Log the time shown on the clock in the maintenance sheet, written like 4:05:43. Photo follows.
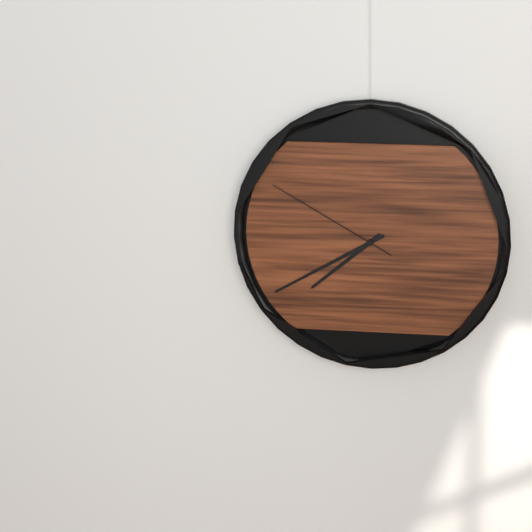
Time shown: 7:40:50
